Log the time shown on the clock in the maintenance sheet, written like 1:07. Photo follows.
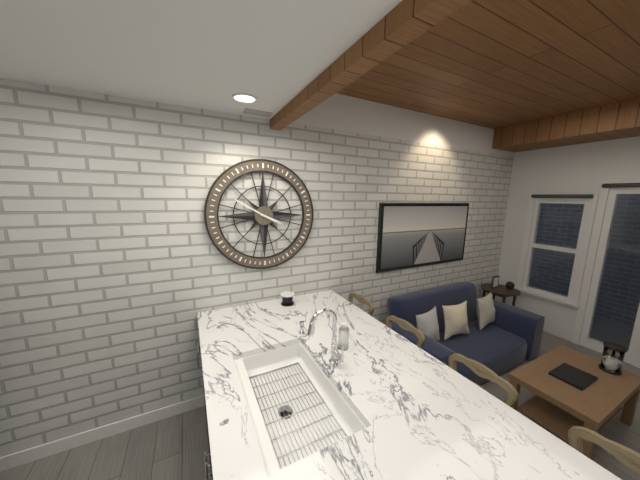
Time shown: 3:50
